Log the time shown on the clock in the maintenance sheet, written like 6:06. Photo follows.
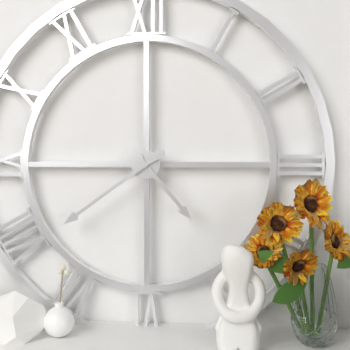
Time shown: 4:39
